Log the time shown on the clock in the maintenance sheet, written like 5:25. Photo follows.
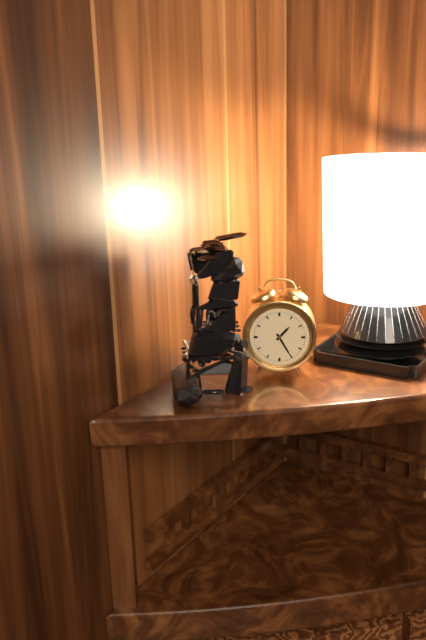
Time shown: 1:25
